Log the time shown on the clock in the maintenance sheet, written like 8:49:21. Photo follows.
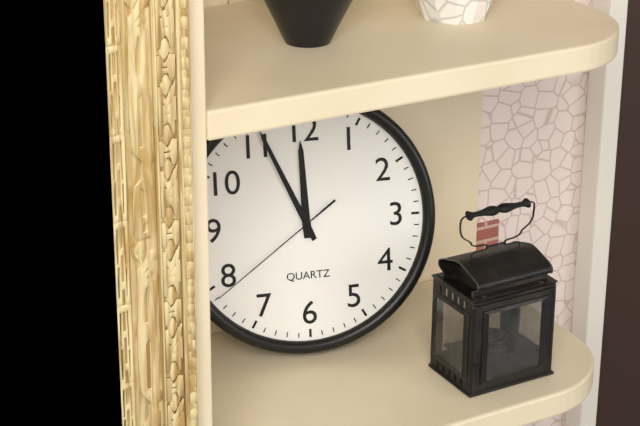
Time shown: 11:56:39
